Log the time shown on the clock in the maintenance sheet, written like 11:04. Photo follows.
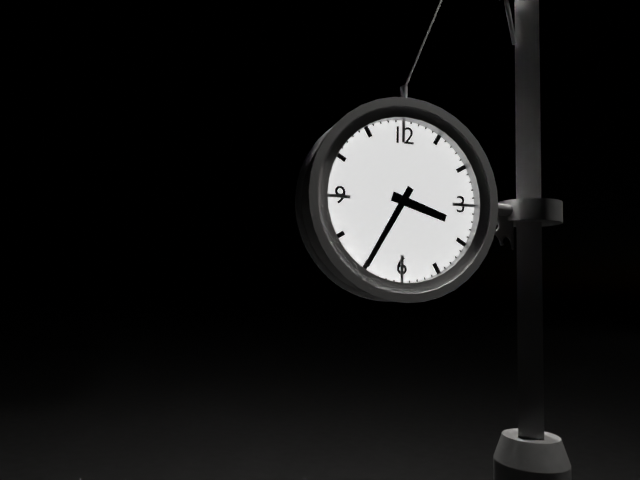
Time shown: 3:35
